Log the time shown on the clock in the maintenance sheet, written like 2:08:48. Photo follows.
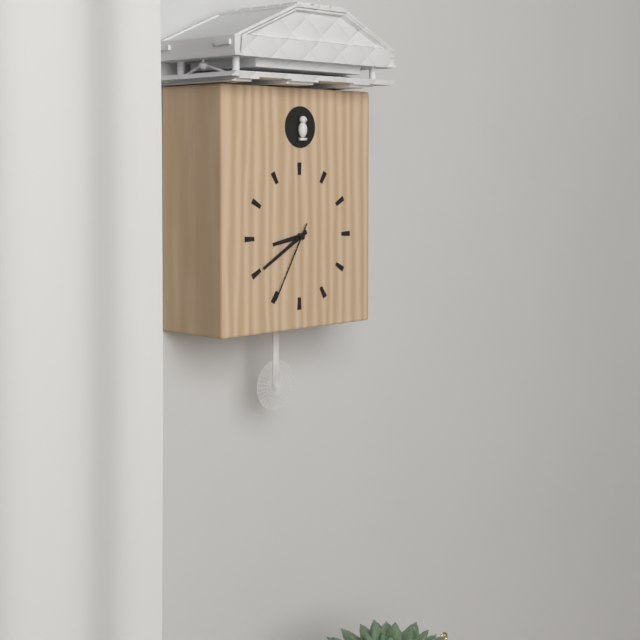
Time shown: 8:40:35
